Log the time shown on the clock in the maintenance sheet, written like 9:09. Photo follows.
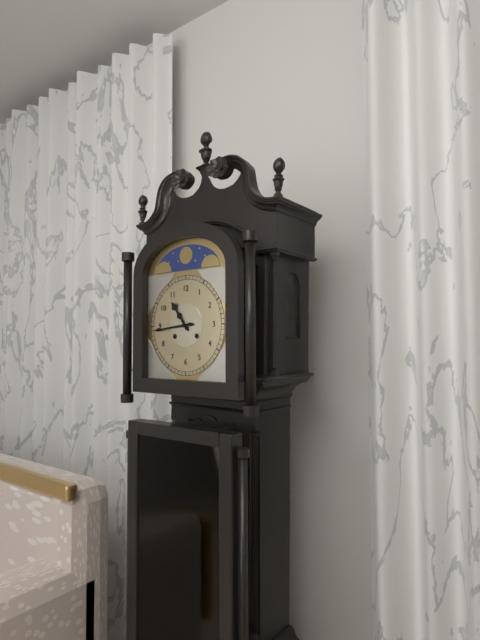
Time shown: 10:44
